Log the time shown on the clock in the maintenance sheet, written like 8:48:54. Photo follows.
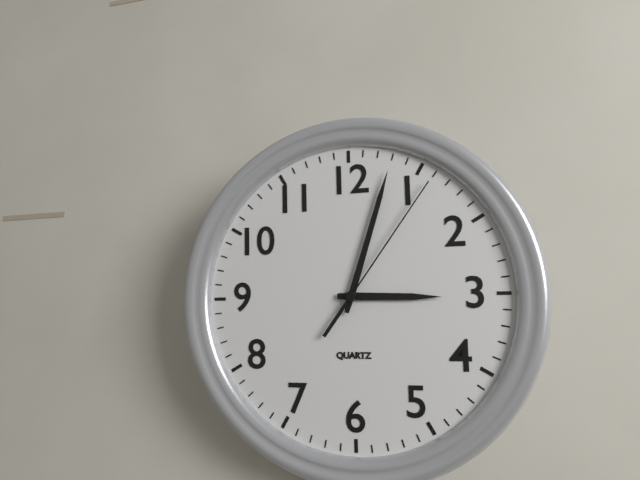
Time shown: 3:03:06
